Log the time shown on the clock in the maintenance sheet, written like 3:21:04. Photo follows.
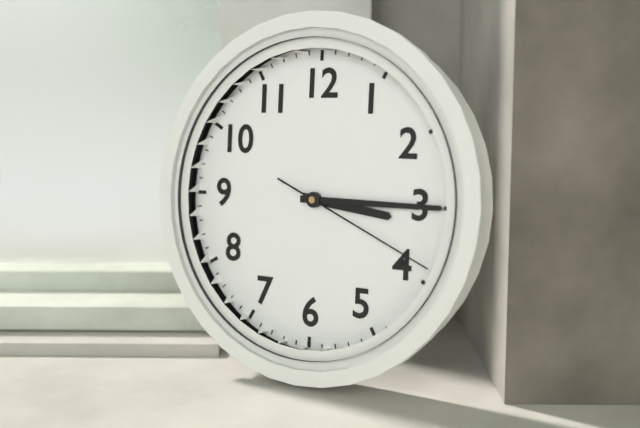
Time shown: 3:15:19
